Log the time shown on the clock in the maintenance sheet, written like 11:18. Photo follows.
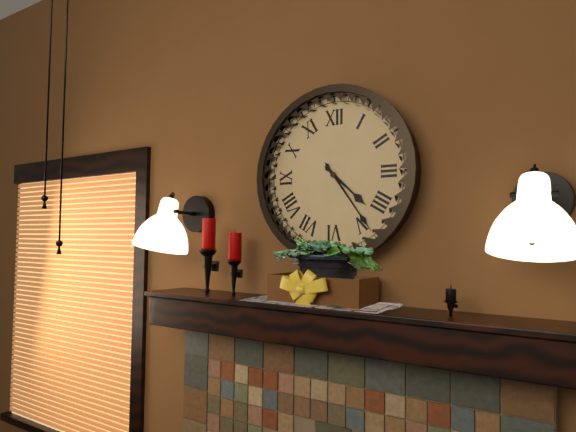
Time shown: 4:24
